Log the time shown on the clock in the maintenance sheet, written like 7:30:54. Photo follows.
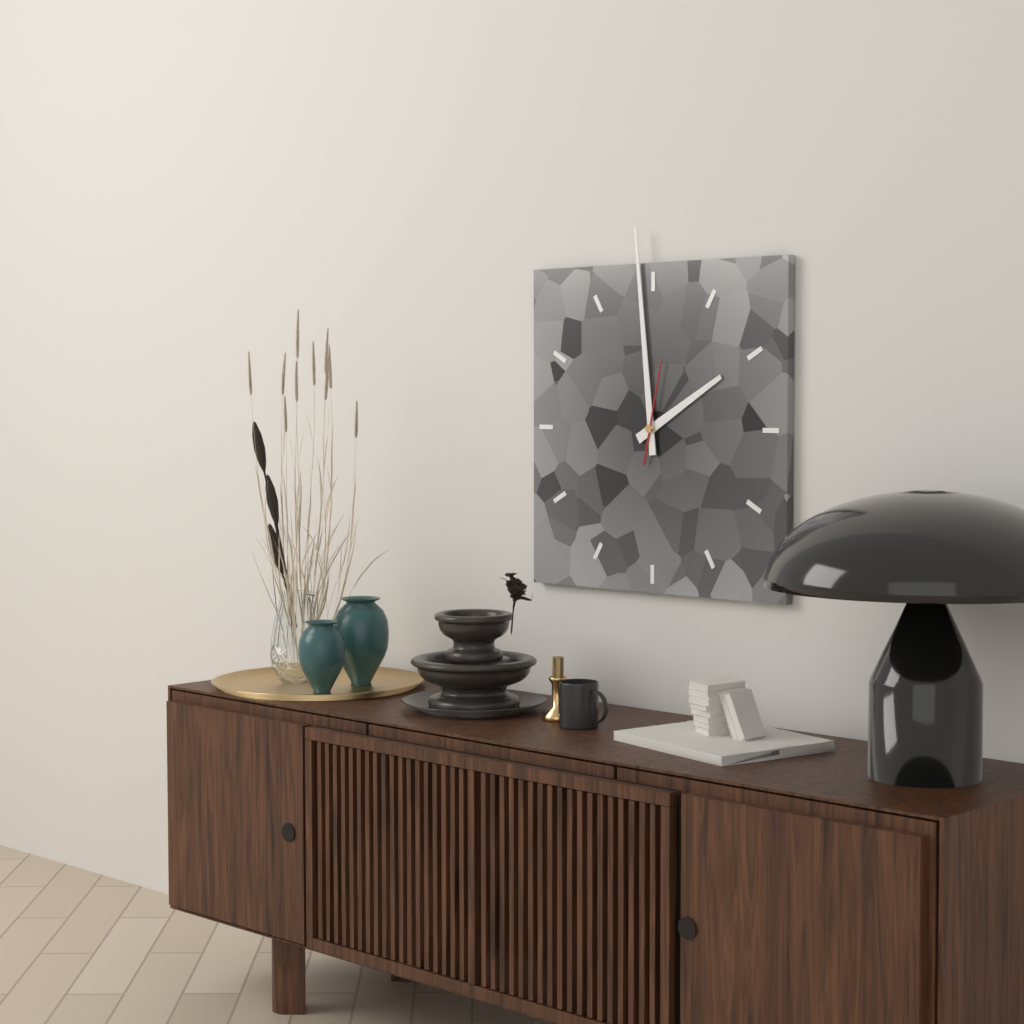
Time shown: 1:59:02
